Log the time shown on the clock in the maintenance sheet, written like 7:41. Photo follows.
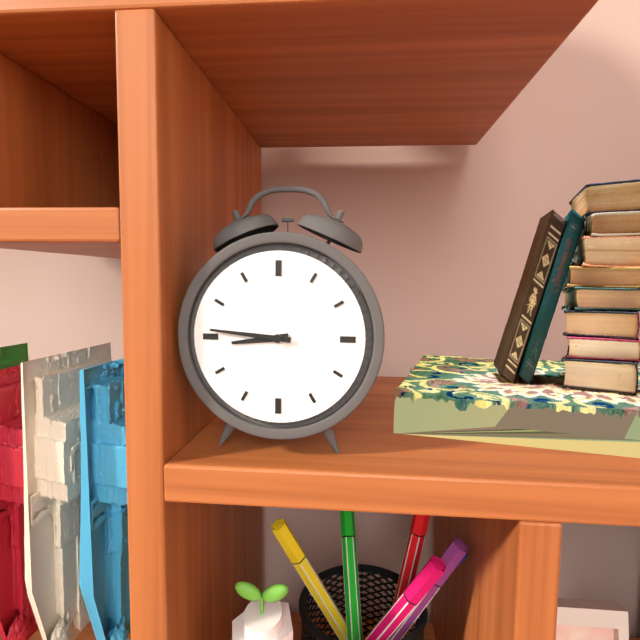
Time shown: 8:46
